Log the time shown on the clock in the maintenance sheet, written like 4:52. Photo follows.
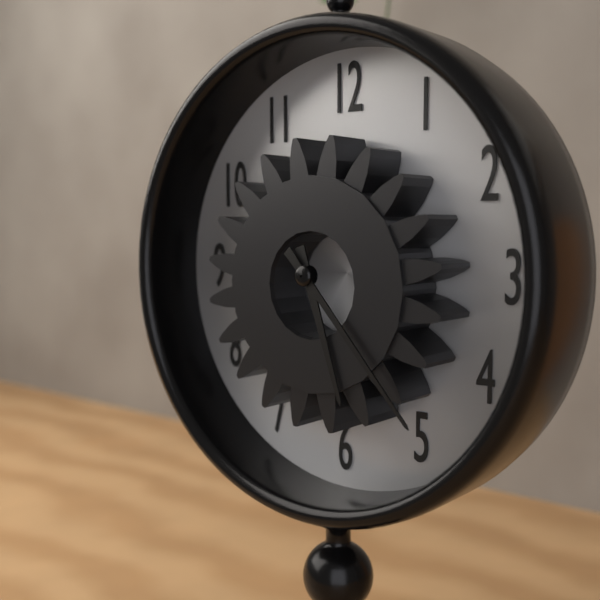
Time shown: 5:23
